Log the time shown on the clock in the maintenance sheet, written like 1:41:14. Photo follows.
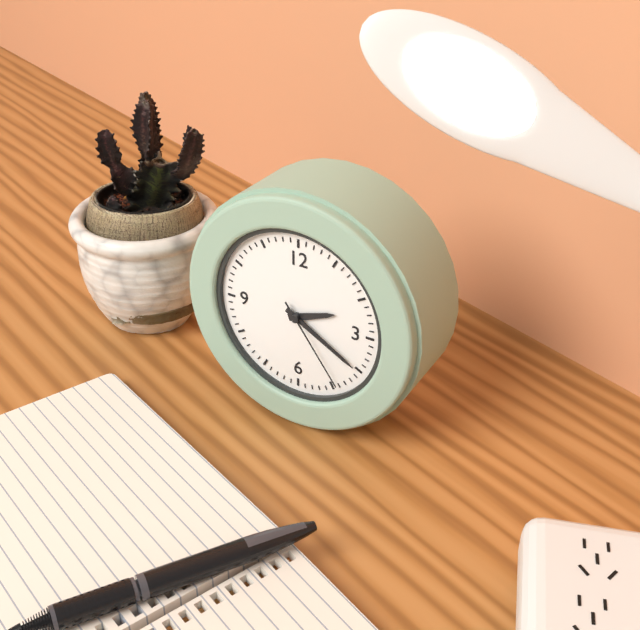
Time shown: 2:20:24
